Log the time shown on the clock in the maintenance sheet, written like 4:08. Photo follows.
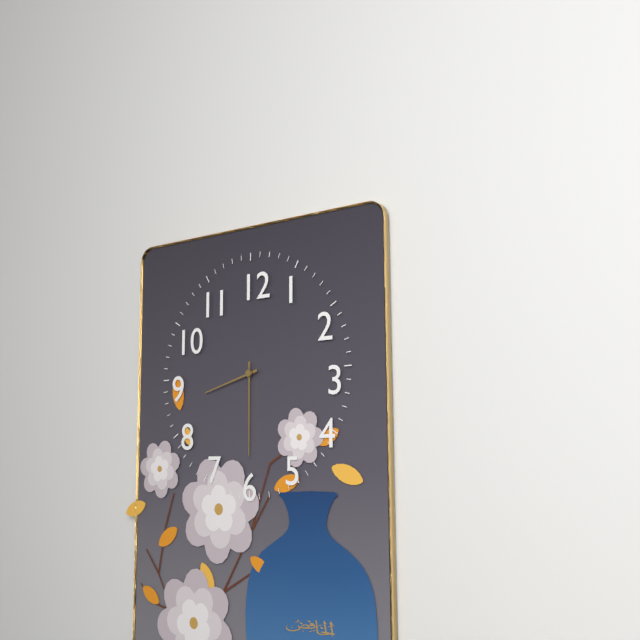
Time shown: 8:30
